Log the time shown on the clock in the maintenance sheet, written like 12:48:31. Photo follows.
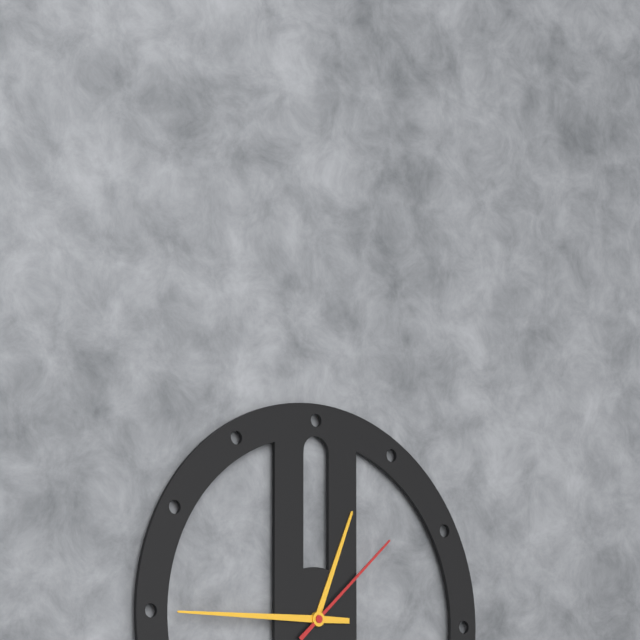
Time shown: 12:45:08
